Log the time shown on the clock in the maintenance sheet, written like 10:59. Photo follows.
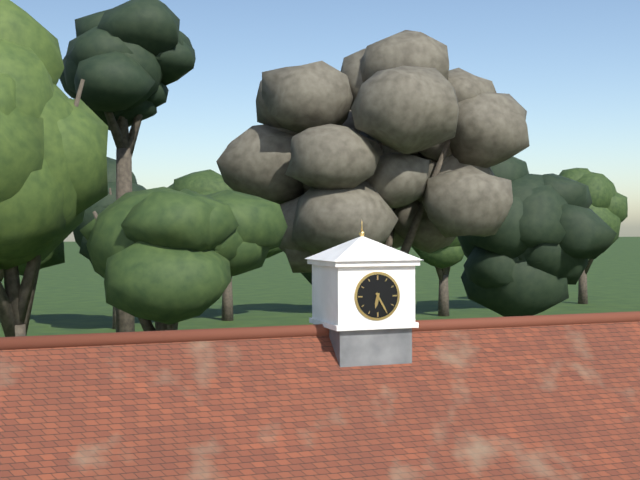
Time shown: 6:25
